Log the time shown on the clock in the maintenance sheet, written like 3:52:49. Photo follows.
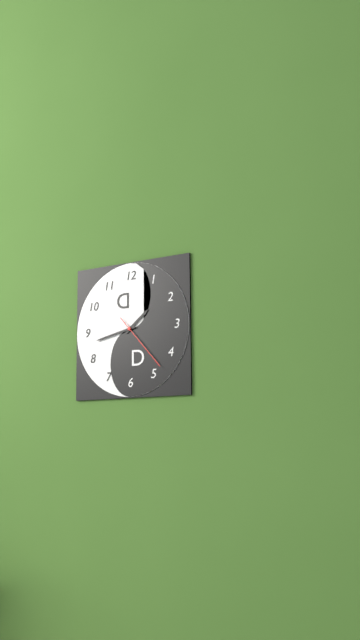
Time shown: 1:43:23
